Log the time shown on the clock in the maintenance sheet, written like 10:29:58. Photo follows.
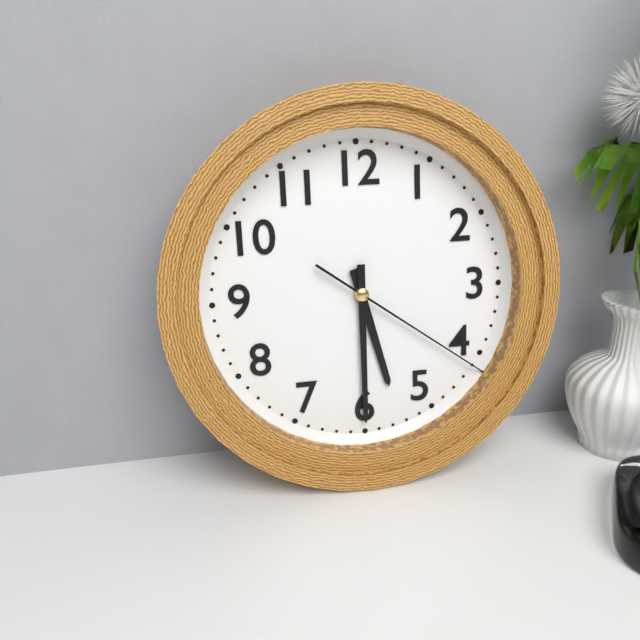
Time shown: 5:30:21
